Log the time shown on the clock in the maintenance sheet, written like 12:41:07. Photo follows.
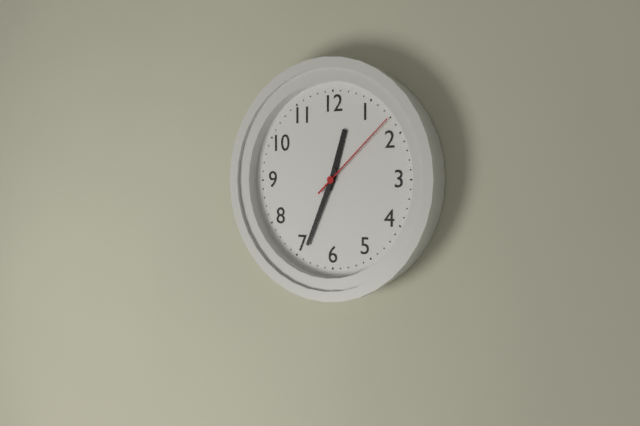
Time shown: 12:34:08
